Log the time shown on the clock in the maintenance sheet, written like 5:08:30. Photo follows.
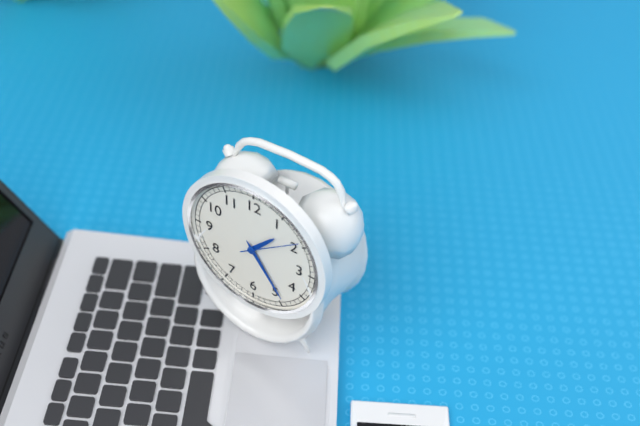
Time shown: 1:24:09
